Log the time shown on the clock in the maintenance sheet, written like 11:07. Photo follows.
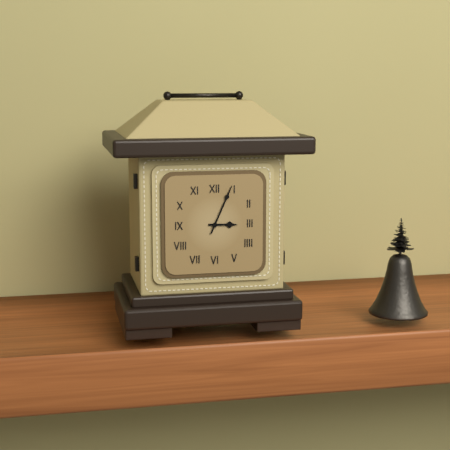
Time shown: 3:04
